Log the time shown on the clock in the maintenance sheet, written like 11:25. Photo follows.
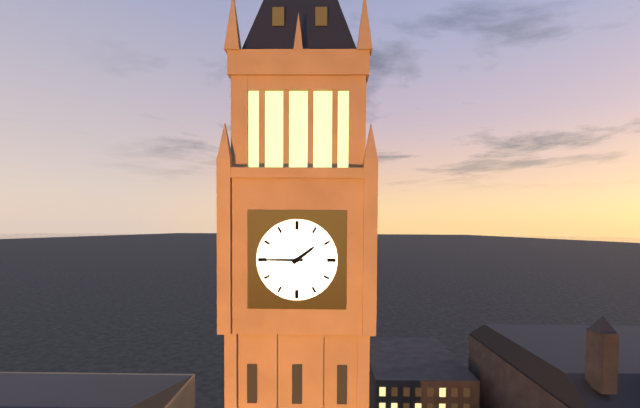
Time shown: 1:45
